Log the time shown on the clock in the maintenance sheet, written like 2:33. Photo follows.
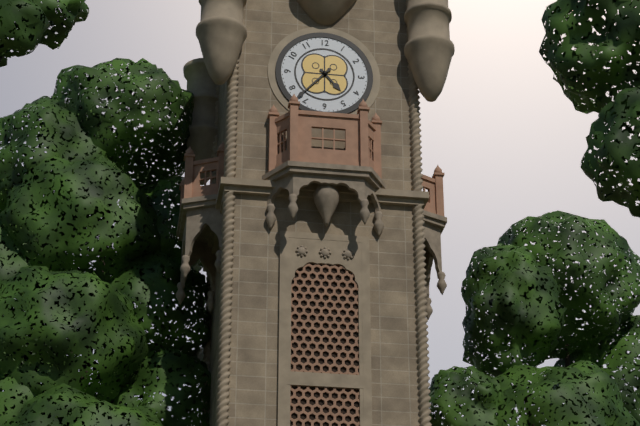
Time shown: 4:37
